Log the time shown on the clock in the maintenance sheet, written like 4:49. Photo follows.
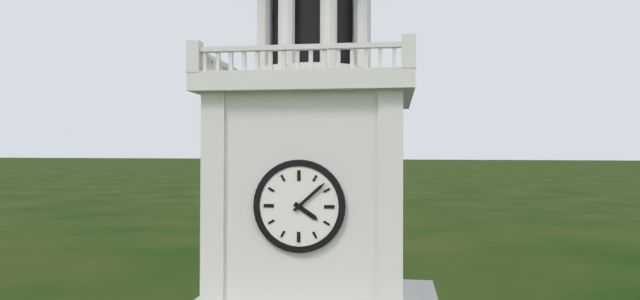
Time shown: 4:08
